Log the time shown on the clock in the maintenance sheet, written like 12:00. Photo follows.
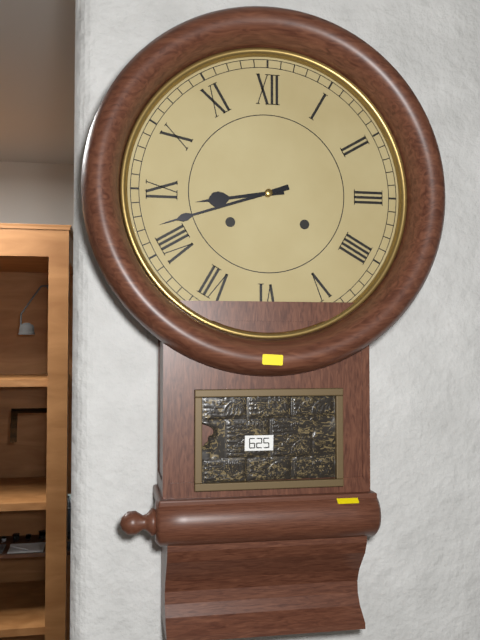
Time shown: 8:42
